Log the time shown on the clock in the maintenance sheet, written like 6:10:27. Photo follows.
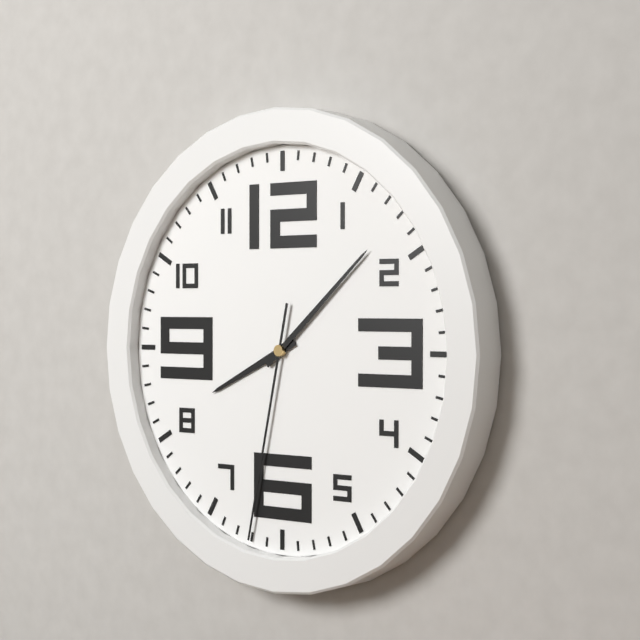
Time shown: 8:08:32
